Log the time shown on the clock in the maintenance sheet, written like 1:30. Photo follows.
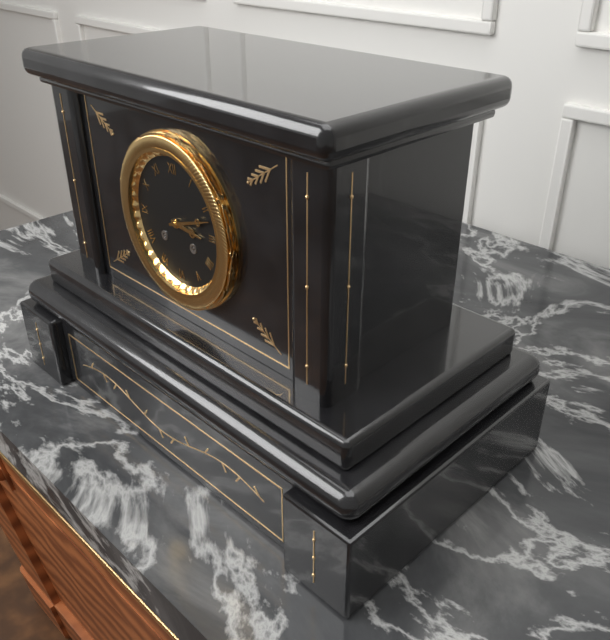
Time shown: 3:12
